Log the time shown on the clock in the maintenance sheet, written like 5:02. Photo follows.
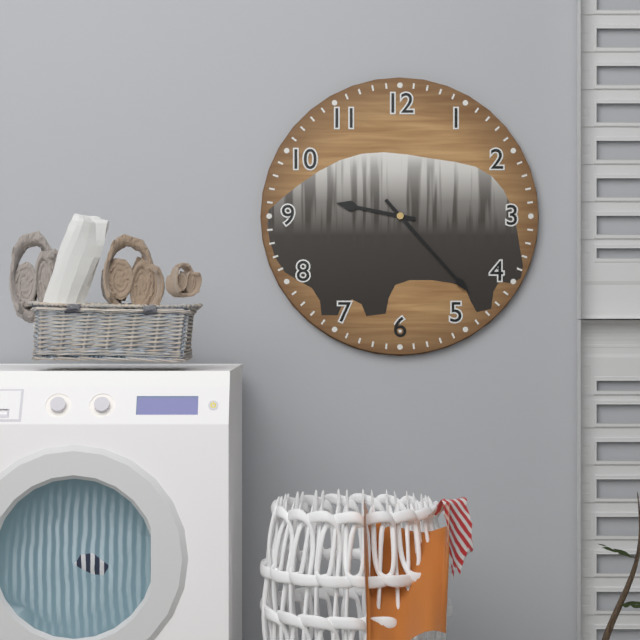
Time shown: 9:23
